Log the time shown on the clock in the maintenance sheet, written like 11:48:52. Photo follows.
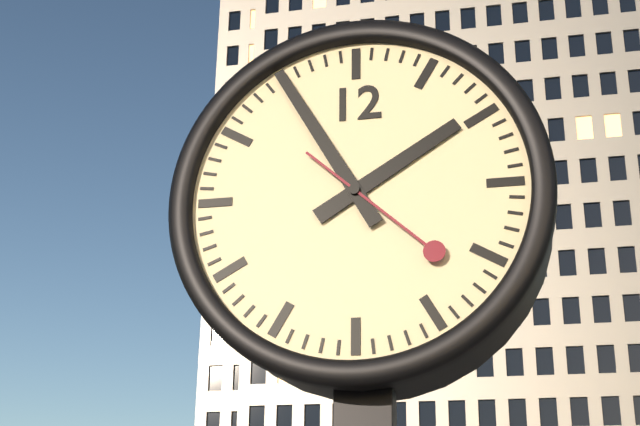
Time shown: 1:55:22
